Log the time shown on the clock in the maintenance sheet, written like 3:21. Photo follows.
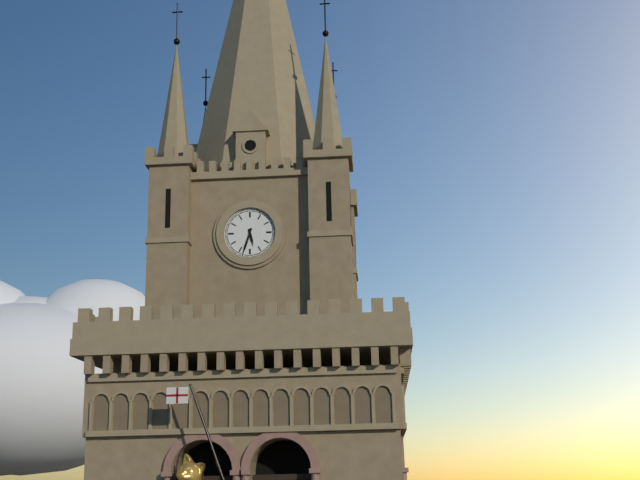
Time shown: 5:33
